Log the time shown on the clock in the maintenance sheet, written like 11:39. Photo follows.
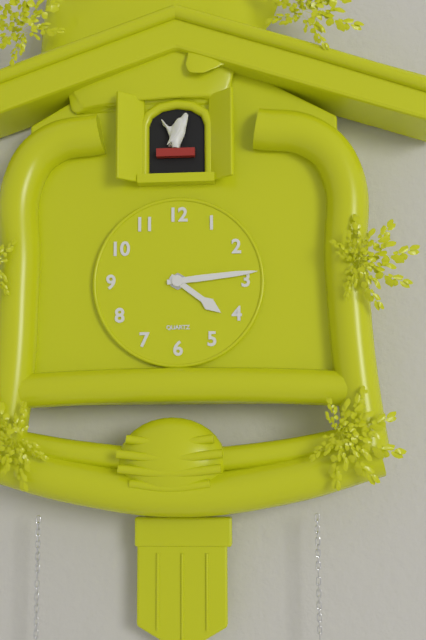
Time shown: 4:14
